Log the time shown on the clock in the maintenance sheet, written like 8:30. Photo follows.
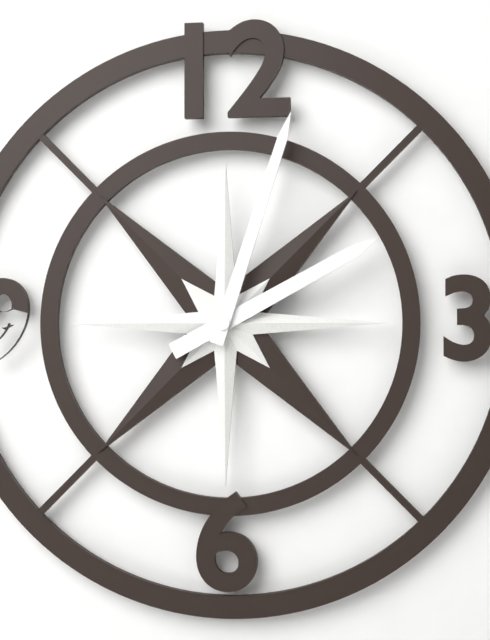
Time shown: 2:03
